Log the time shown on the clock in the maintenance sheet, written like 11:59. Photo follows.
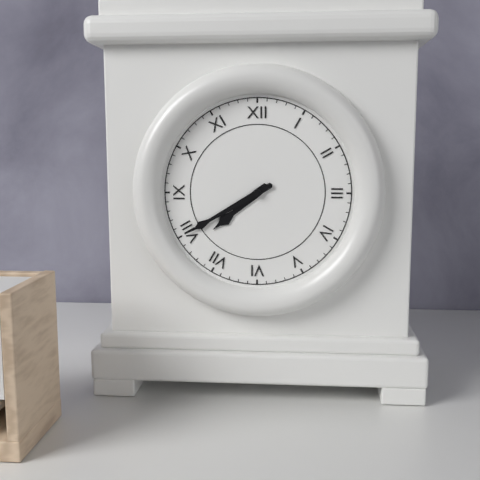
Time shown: 7:40
